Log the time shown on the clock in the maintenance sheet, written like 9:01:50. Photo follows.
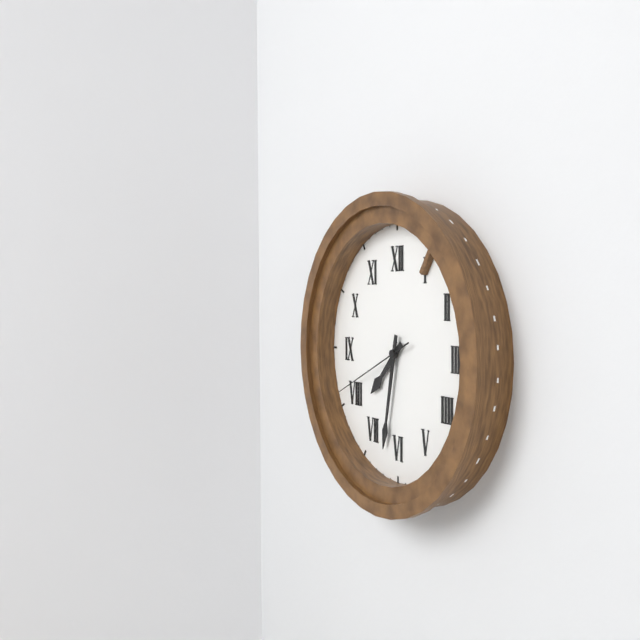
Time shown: 7:32:41
